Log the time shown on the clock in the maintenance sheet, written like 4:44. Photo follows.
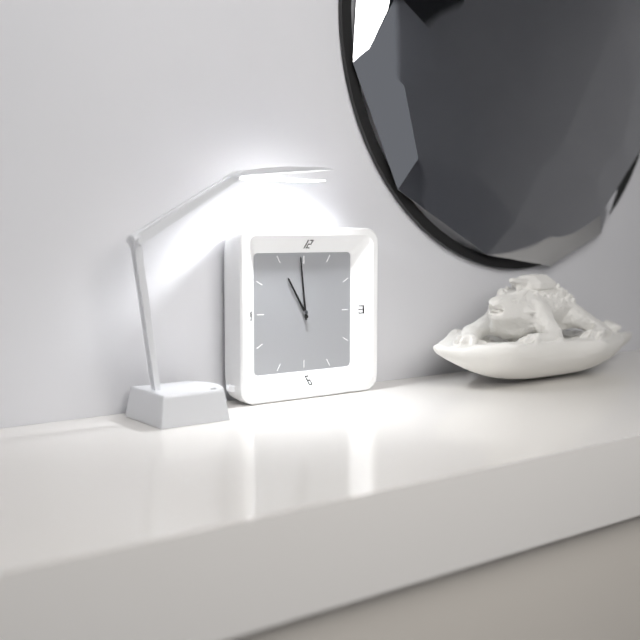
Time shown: 10:59
